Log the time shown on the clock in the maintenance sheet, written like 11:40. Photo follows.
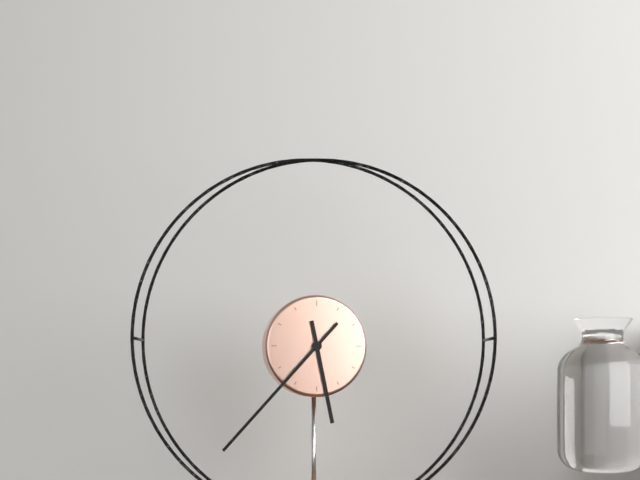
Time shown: 5:37
